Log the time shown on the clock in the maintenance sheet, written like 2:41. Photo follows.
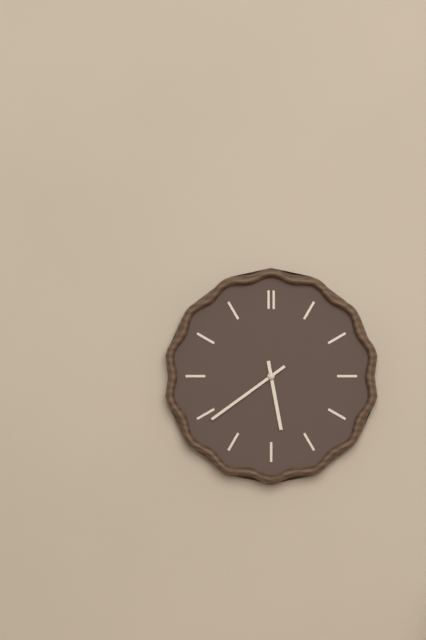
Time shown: 5:39
